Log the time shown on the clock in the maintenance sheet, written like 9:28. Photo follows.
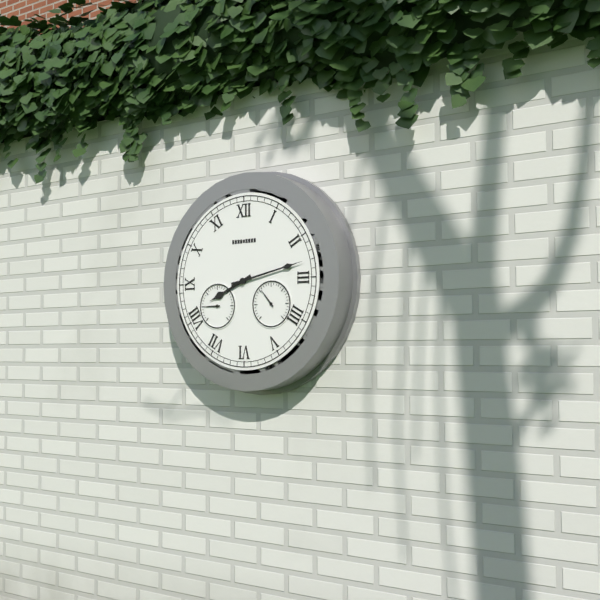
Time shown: 8:13
